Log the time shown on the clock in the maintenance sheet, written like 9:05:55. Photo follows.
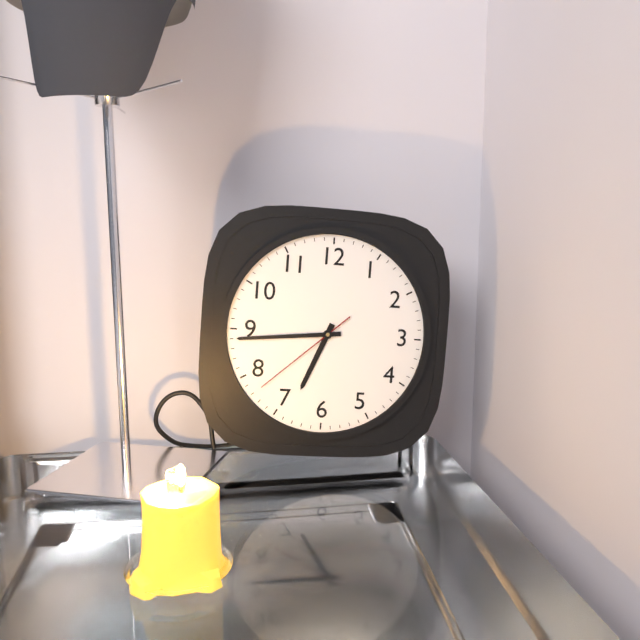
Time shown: 6:44:38
